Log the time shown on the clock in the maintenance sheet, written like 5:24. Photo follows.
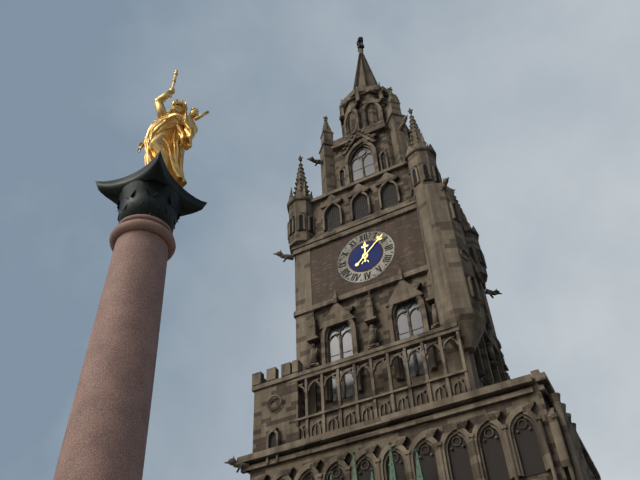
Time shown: 12:08
